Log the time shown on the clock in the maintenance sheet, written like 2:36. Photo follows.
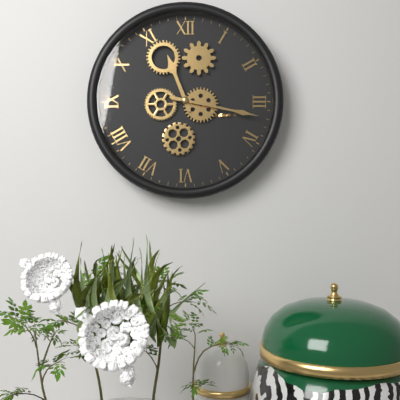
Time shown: 11:17
